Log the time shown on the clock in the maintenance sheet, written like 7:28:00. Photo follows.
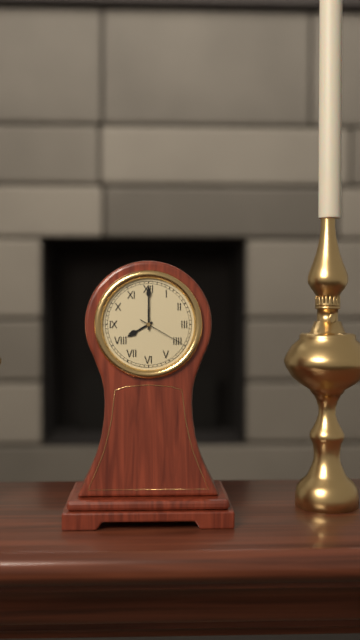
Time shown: 8:00:20
